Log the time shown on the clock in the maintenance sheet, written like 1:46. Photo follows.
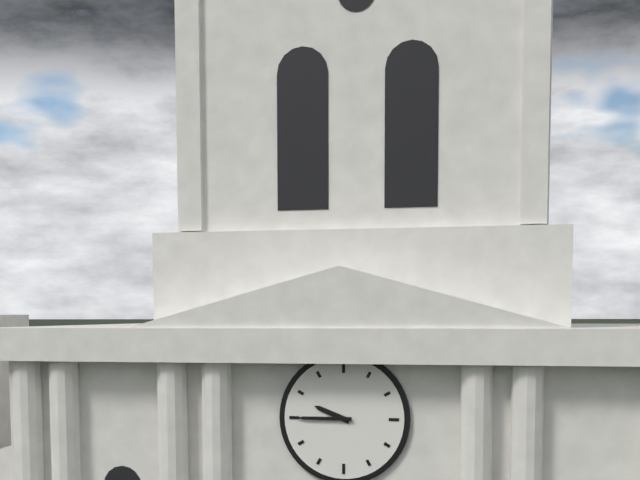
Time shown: 9:45
